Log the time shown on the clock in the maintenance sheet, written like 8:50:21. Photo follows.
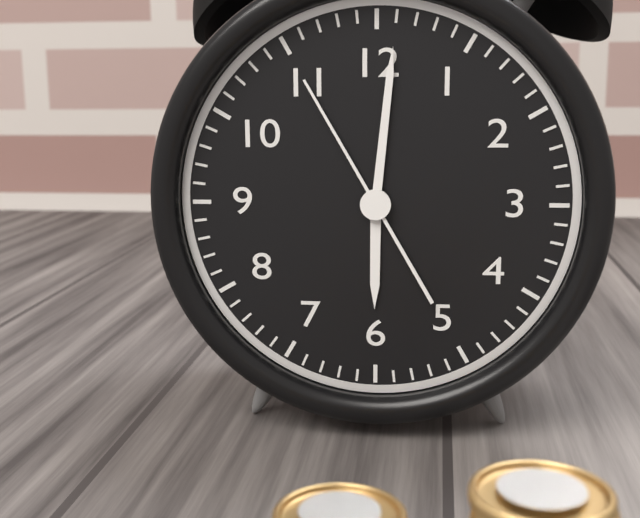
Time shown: 6:01:55
